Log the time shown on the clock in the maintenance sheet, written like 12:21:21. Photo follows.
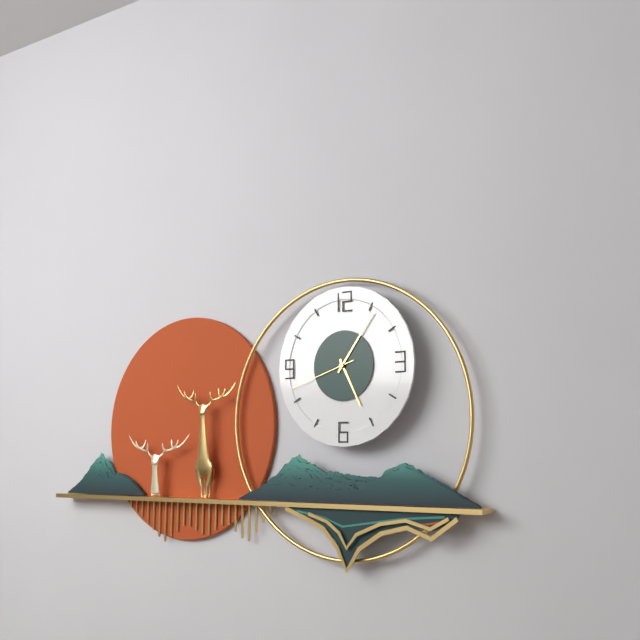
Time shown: 5:06:42
